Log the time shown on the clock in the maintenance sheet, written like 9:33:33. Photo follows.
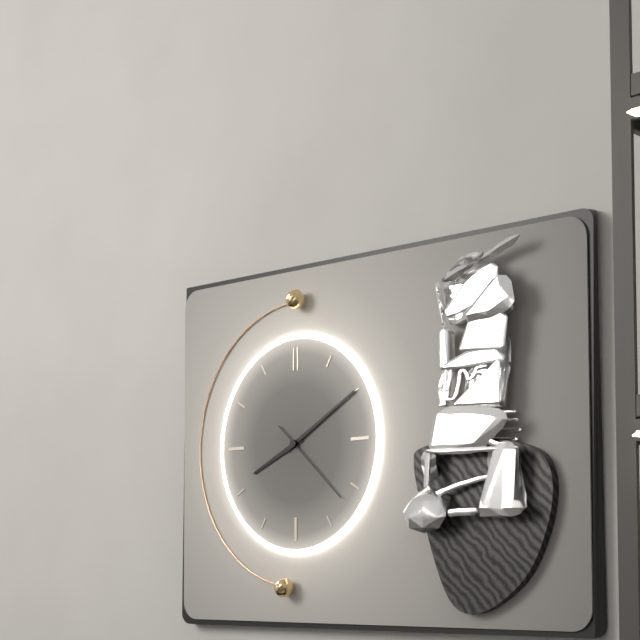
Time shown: 8:10:22
